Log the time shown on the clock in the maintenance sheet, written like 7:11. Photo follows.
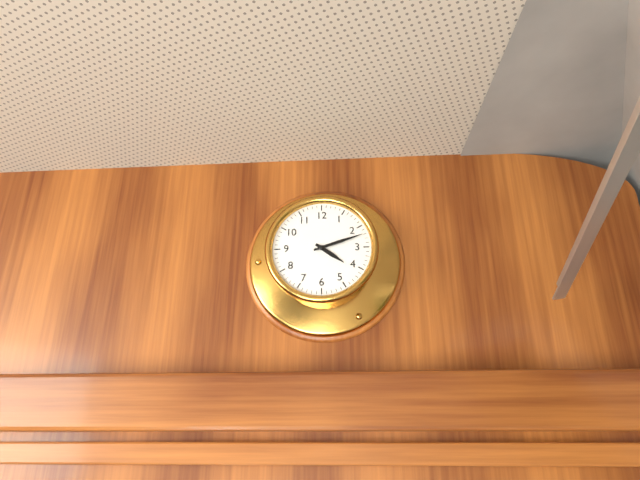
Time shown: 4:12
